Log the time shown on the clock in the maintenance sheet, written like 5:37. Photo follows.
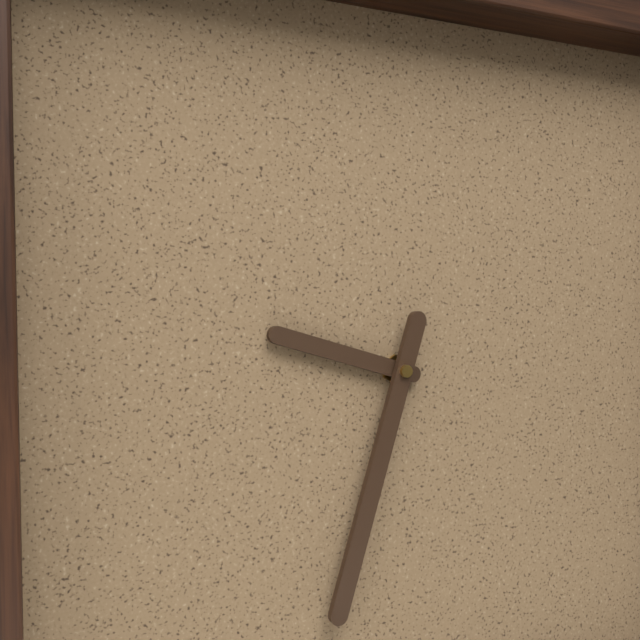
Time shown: 9:33
